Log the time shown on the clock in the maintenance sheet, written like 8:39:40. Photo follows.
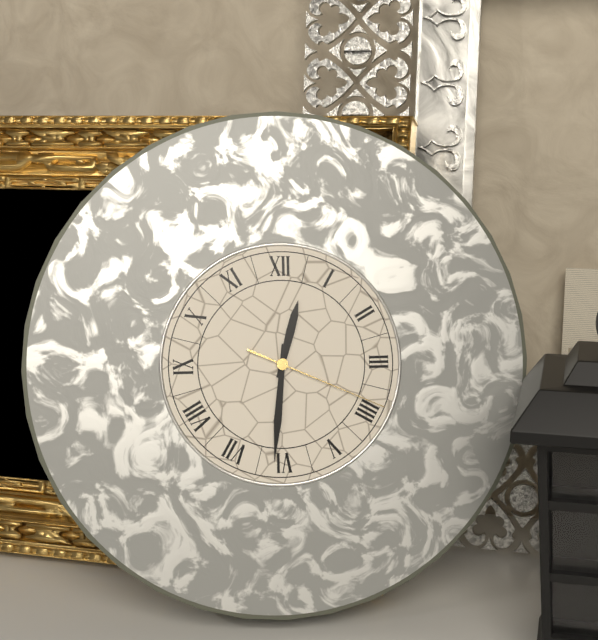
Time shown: 12:31:19
